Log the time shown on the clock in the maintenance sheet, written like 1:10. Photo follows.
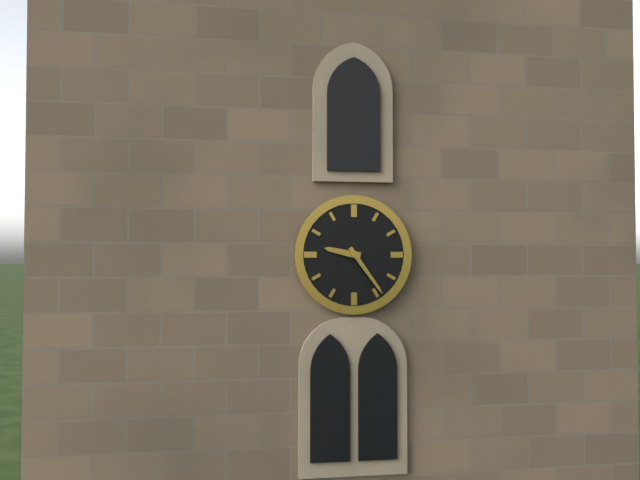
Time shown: 9:24
